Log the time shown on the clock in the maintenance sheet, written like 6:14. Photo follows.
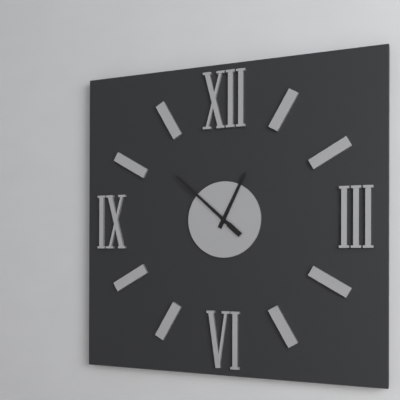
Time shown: 12:52
